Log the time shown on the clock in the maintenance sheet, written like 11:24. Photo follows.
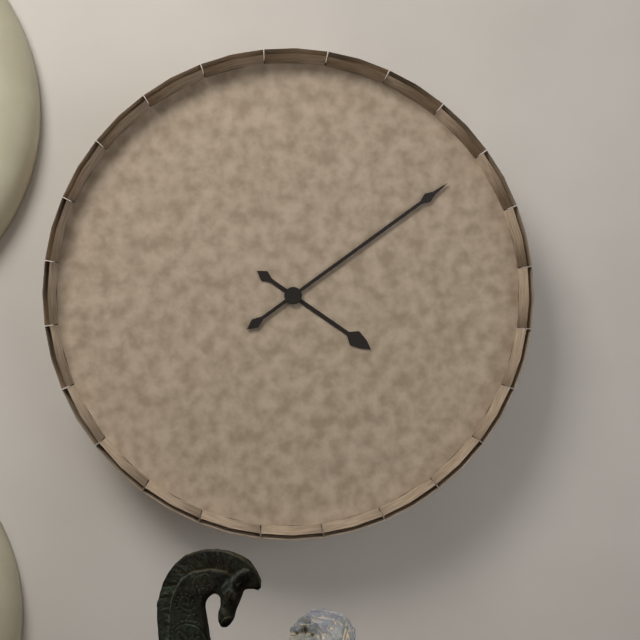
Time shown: 4:09
